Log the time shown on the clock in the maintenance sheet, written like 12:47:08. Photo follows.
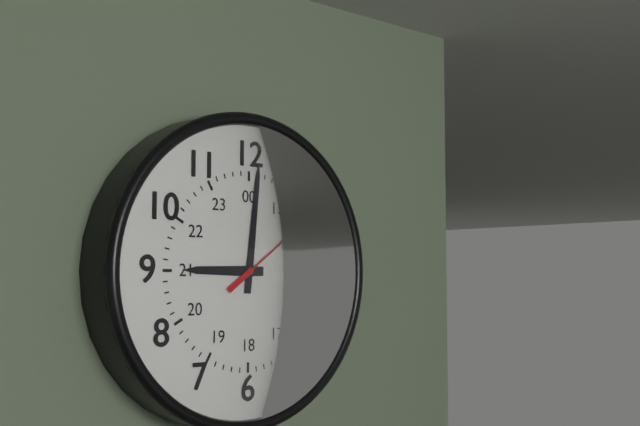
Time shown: 9:01:09
